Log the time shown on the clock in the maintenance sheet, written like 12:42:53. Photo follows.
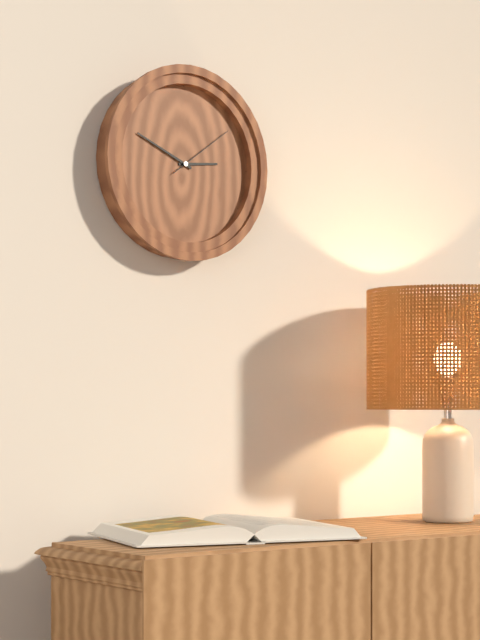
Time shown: 2:49:09
